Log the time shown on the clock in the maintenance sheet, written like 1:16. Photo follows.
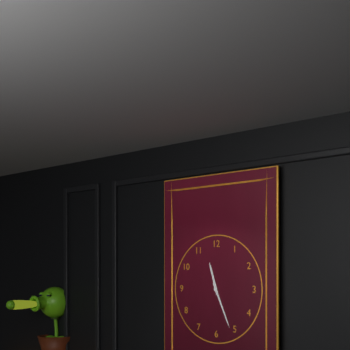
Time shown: 11:26
